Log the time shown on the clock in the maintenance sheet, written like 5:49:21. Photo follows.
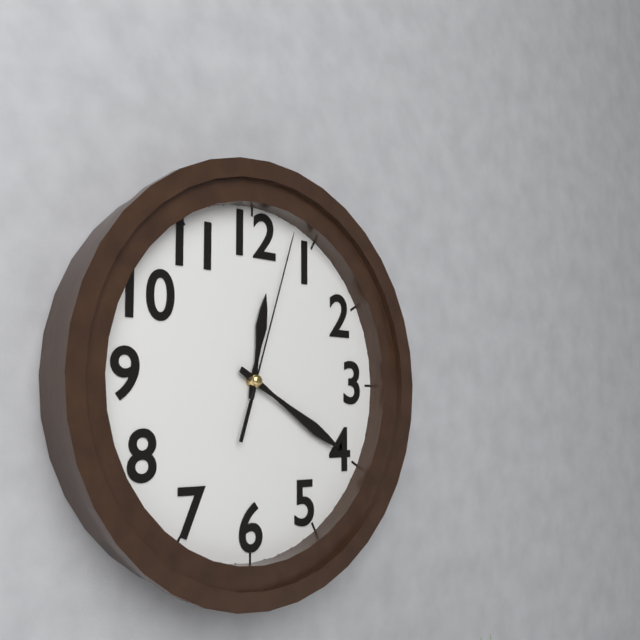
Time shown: 12:20:03
